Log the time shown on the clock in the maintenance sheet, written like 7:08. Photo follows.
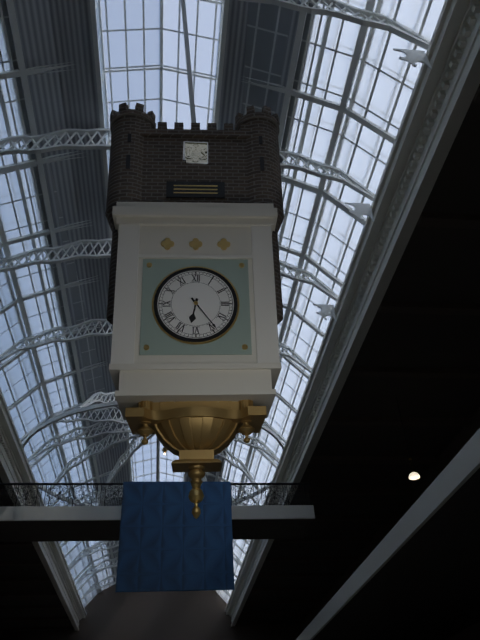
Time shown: 6:24
